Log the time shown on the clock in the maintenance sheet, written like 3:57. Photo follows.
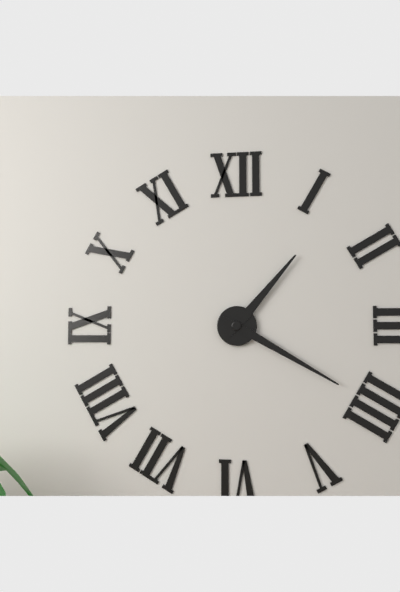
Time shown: 1:20
